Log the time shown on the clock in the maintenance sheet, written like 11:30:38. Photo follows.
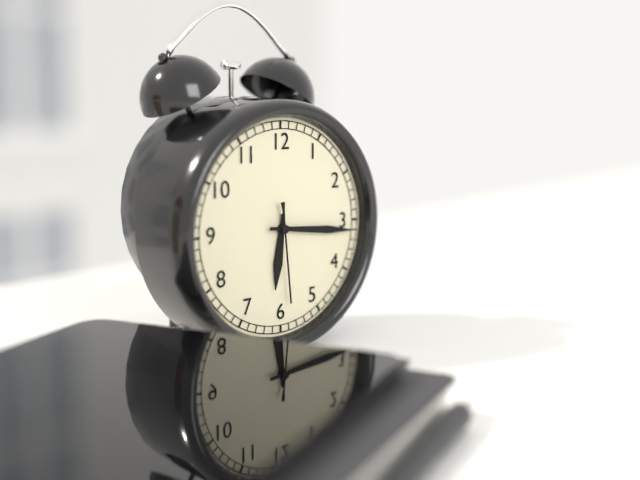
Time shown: 6:16:29
